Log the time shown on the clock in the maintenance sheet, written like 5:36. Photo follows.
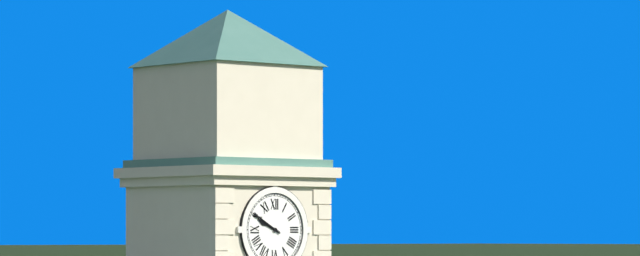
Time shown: 9:50
